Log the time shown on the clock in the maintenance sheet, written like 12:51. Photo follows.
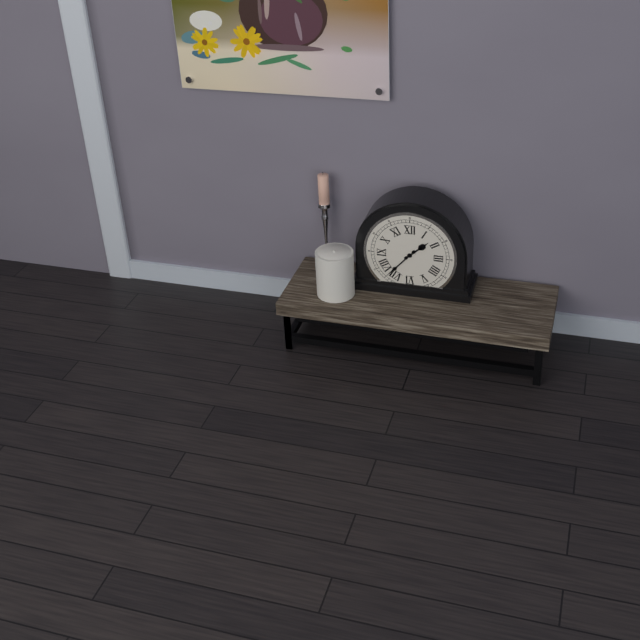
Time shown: 1:37
